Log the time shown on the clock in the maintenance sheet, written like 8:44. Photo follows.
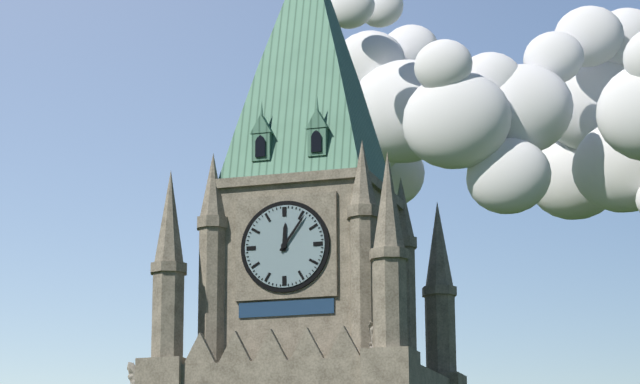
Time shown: 12:06
